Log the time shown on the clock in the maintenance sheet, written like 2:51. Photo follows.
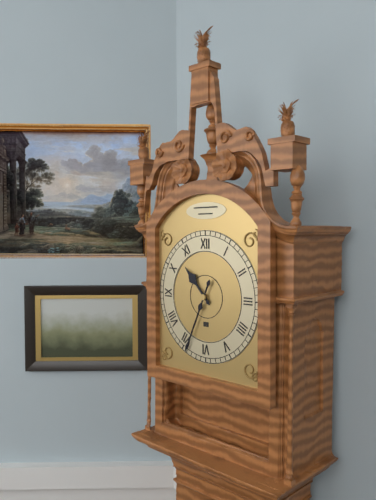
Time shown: 10:34
